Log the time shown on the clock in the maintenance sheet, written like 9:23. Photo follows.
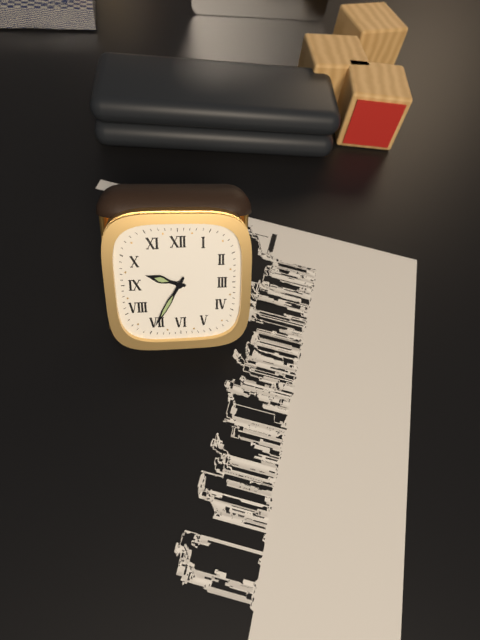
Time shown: 9:35
